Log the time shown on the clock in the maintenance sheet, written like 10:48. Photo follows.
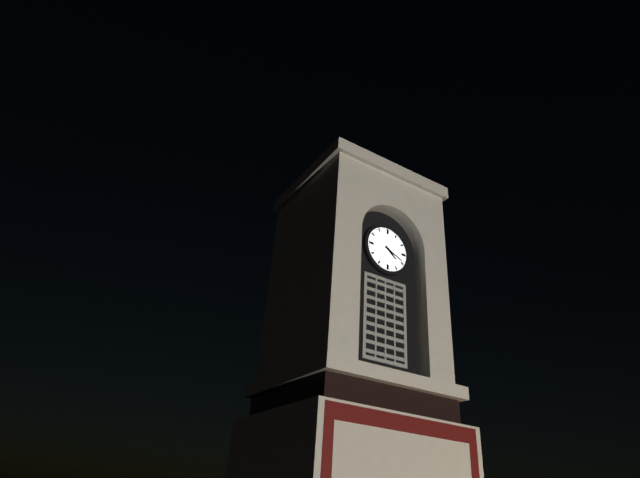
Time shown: 4:19
